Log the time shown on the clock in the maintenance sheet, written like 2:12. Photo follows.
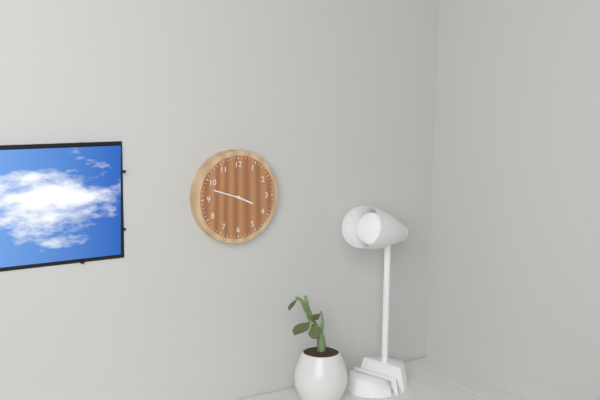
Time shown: 3:48
